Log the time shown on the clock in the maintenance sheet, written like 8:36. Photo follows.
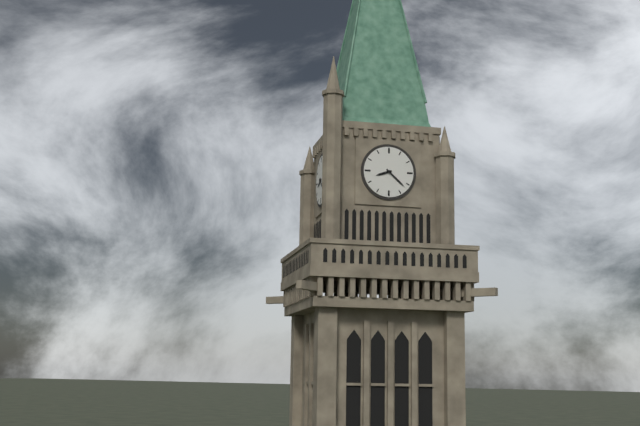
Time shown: 8:22
